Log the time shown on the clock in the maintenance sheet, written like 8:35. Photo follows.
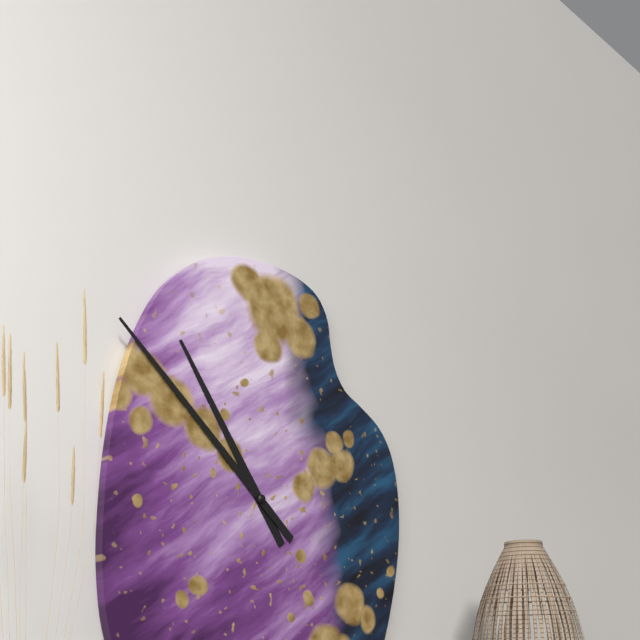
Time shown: 10:52
